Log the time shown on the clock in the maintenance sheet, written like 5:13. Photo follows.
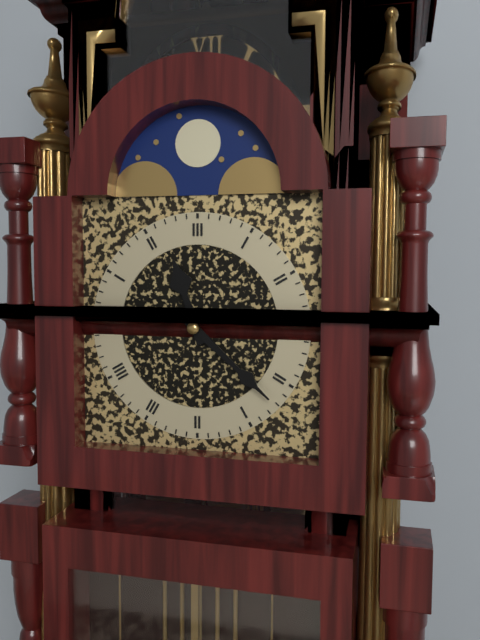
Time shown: 11:22
